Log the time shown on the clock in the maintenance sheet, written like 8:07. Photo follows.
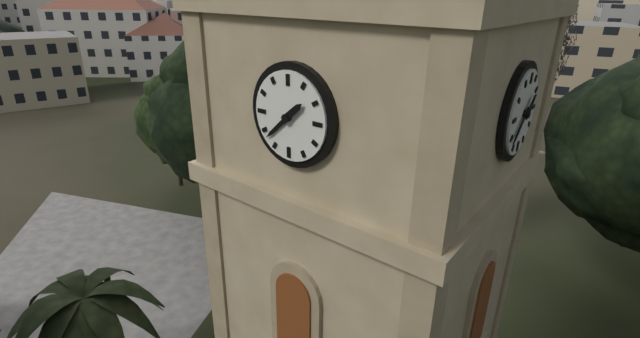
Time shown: 1:38
